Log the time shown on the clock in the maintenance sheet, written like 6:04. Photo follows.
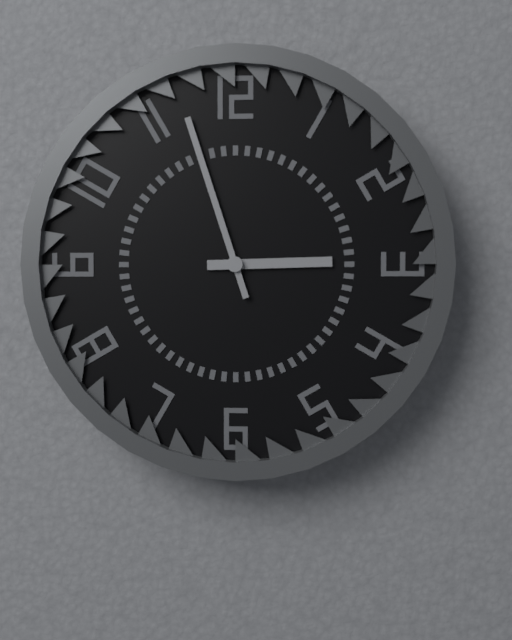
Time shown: 2:57
